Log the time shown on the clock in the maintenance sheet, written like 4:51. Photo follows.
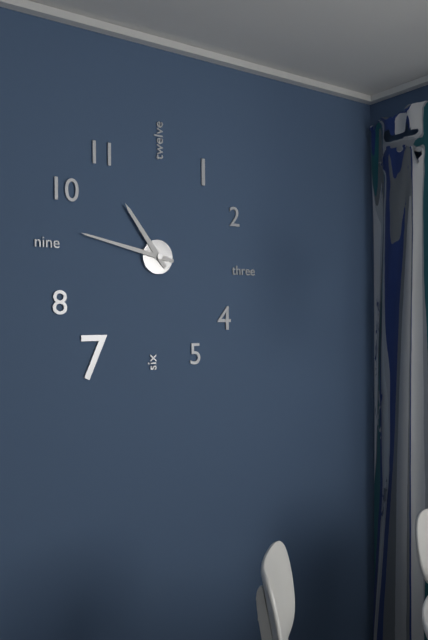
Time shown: 10:47
